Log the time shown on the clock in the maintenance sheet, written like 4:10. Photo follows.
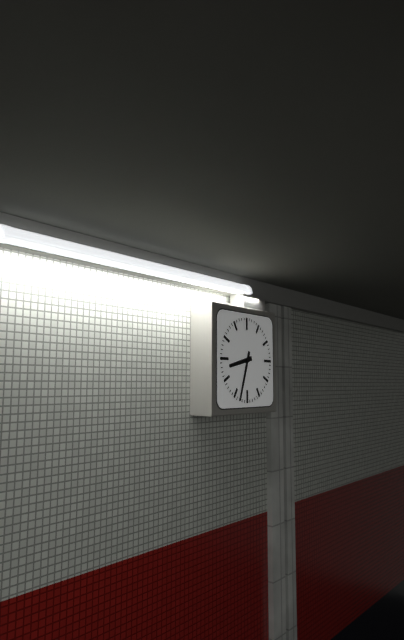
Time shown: 8:33
